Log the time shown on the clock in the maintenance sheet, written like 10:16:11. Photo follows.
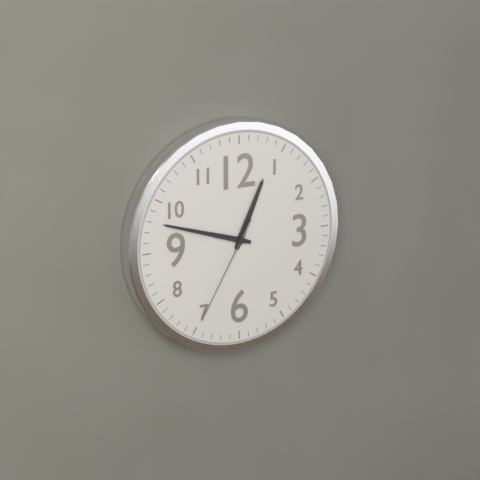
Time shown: 12:48:35
